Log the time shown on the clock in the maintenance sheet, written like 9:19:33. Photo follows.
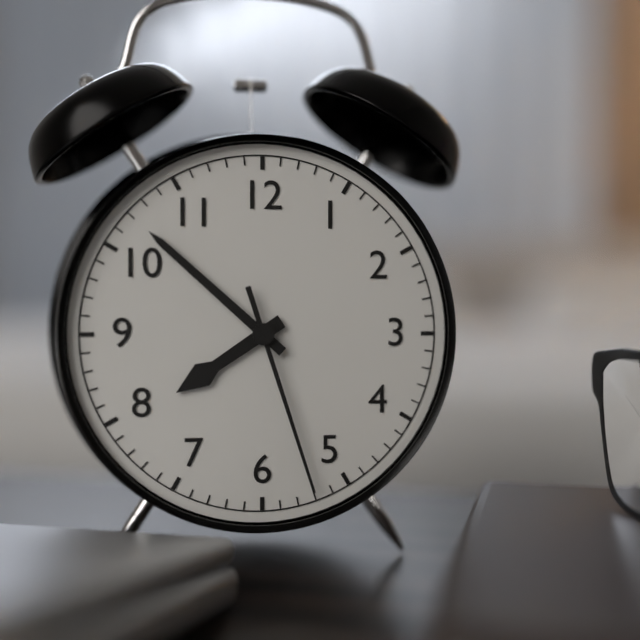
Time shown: 7:52:27
